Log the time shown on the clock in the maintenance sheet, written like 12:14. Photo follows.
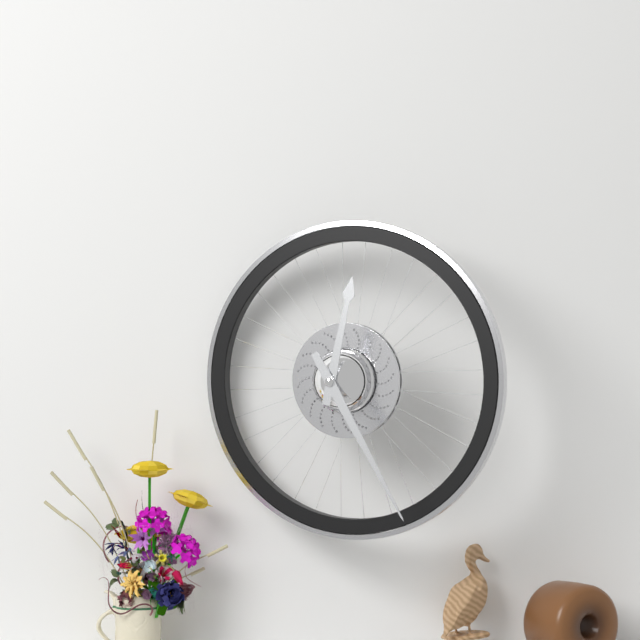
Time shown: 12:25
